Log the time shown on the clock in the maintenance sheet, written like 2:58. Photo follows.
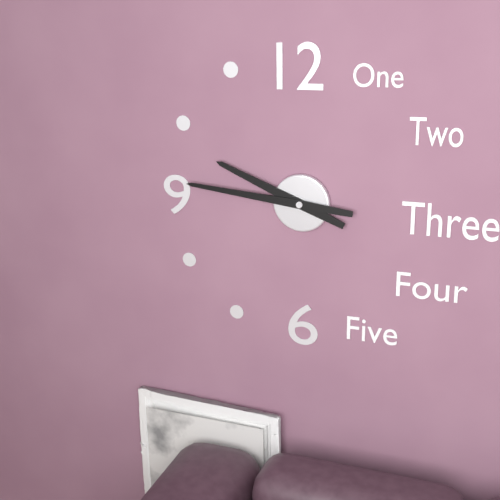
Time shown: 9:46
